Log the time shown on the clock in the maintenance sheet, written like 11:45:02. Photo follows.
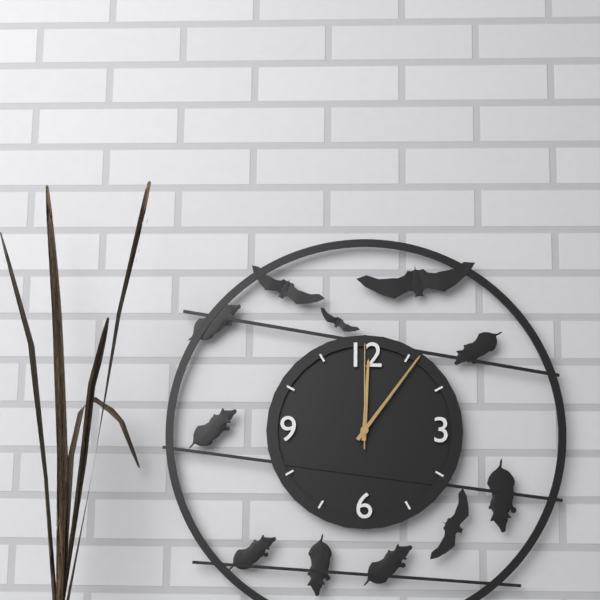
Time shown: 12:06:00
